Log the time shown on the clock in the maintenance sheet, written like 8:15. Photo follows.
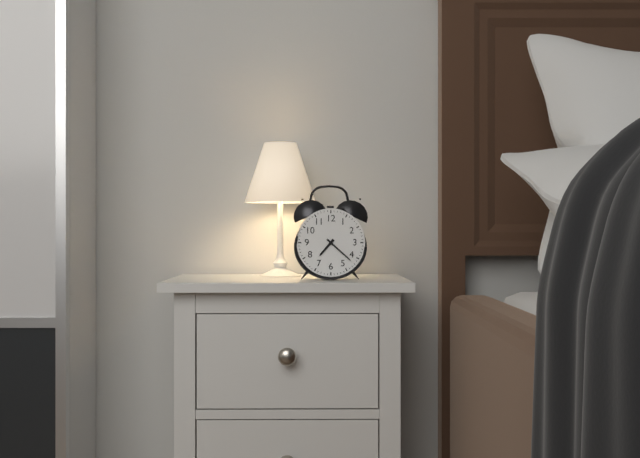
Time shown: 7:22
